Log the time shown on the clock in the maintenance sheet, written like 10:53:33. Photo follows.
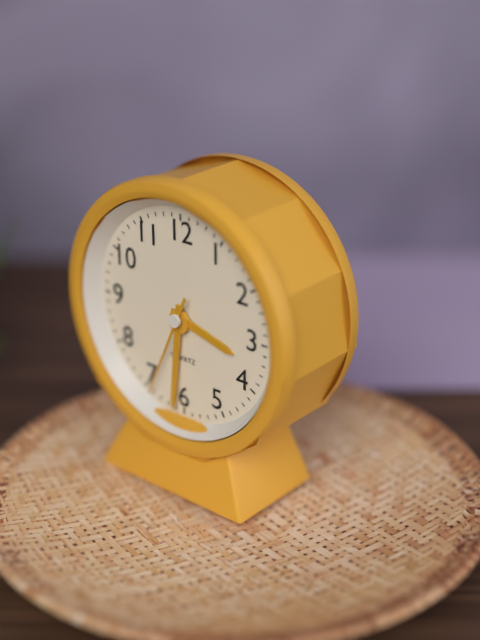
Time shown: 3:31:34
